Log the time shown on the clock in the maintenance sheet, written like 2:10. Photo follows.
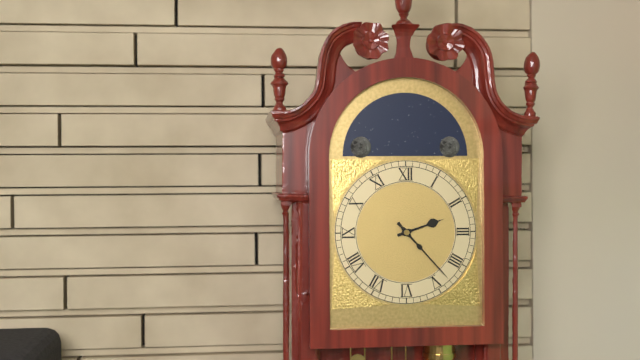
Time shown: 2:23
